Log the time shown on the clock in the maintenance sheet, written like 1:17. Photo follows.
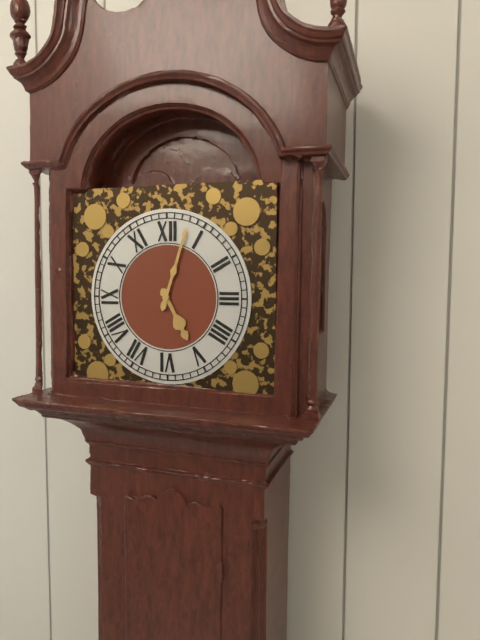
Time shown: 5:03
